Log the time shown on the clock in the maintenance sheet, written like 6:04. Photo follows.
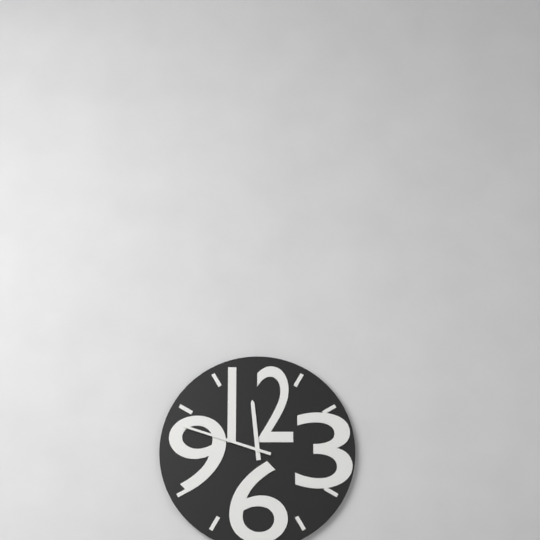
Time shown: 11:48
